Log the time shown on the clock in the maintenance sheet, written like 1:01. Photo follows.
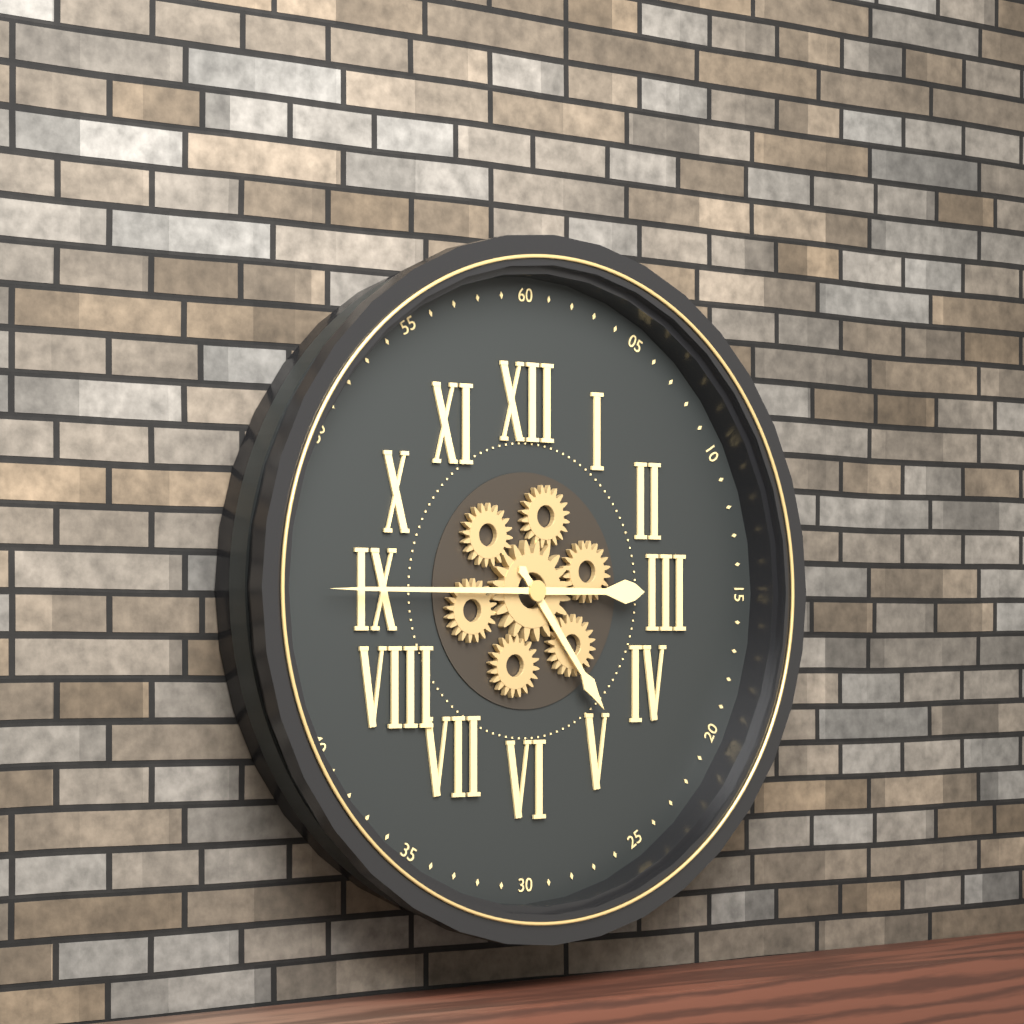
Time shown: 4:45
